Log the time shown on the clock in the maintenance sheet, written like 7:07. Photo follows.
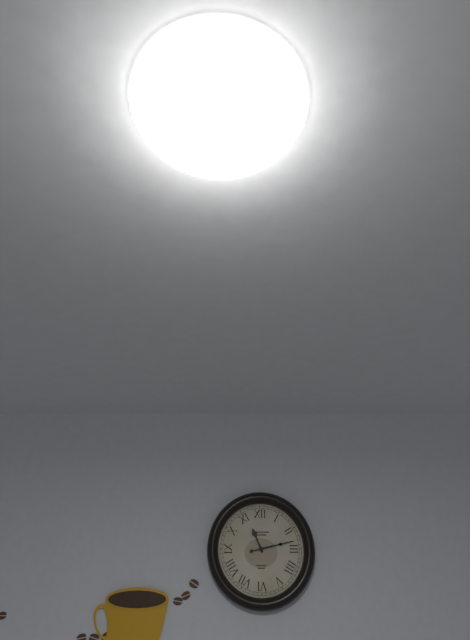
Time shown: 11:13
